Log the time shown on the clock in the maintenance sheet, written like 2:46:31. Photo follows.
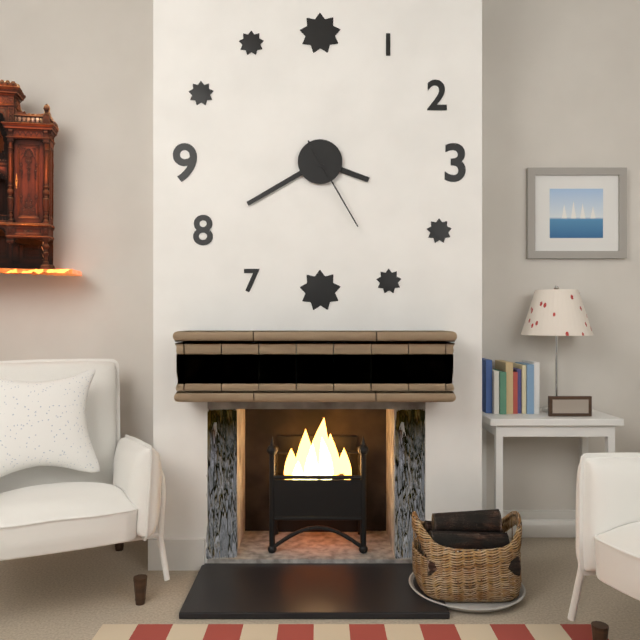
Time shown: 3:40:25
